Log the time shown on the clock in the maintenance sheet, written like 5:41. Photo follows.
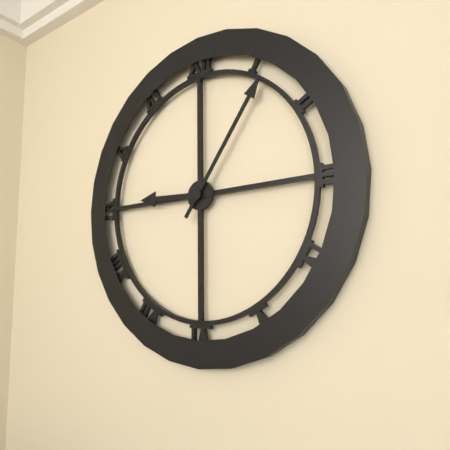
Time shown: 9:06
